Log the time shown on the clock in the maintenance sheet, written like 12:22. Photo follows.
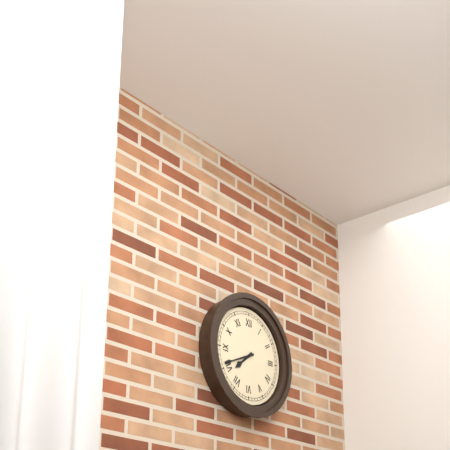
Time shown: 7:41
